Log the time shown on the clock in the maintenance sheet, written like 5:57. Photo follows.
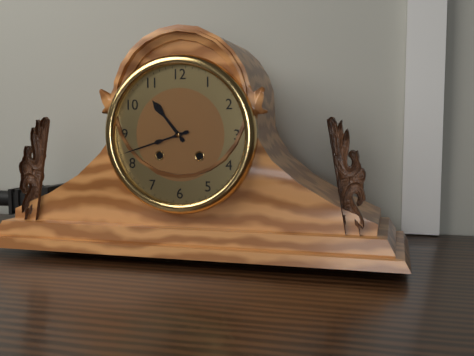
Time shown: 10:42
